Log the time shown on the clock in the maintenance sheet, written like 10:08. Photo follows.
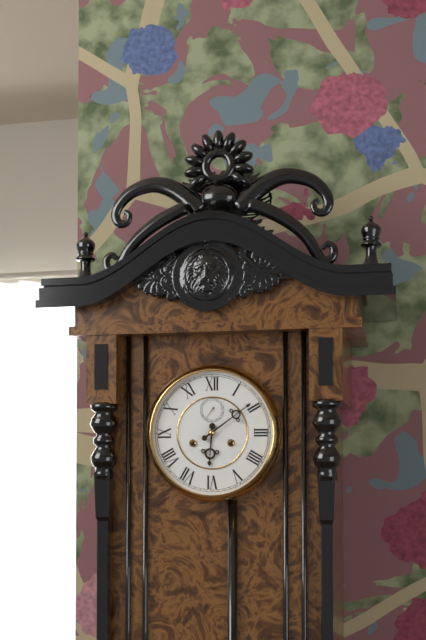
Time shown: 6:09
